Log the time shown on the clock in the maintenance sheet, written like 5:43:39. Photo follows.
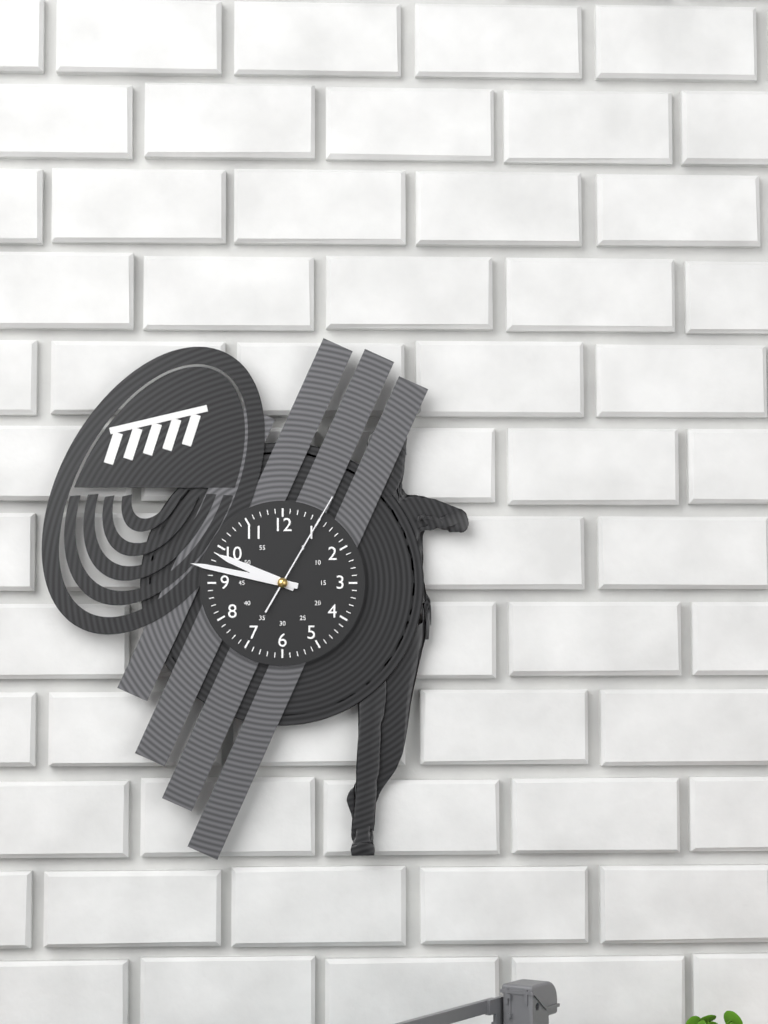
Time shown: 9:47:05
